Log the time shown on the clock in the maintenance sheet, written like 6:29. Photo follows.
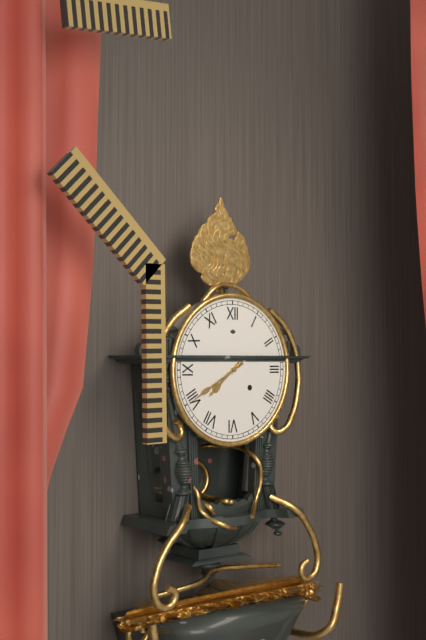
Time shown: 7:40
